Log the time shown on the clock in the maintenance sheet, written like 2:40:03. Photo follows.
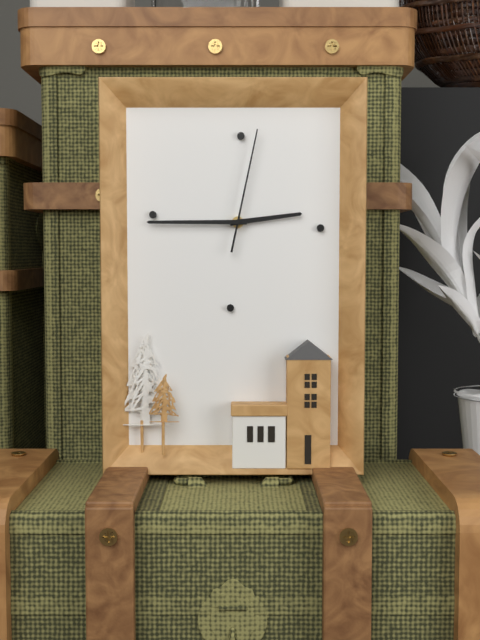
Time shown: 2:45:02
